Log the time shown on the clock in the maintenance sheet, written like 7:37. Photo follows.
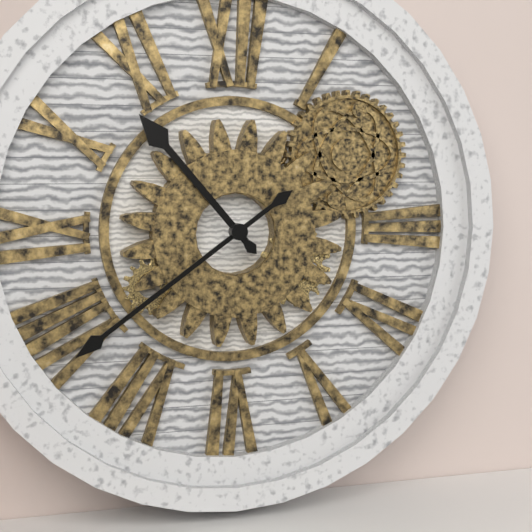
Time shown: 10:39
